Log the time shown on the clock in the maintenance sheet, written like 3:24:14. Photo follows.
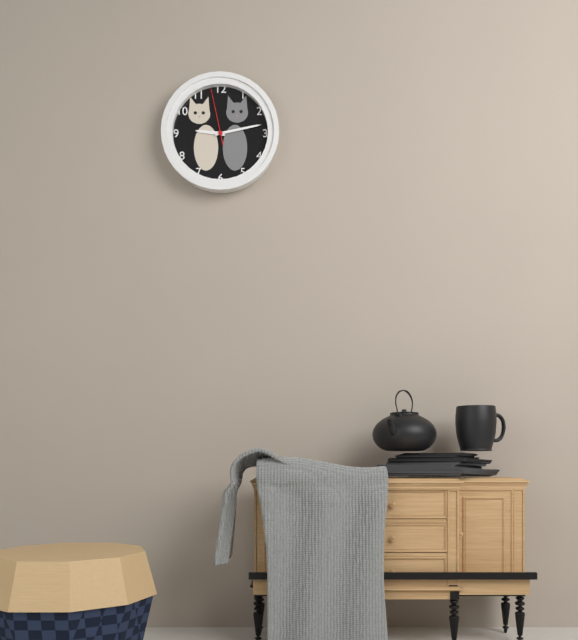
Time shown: 9:13:58
